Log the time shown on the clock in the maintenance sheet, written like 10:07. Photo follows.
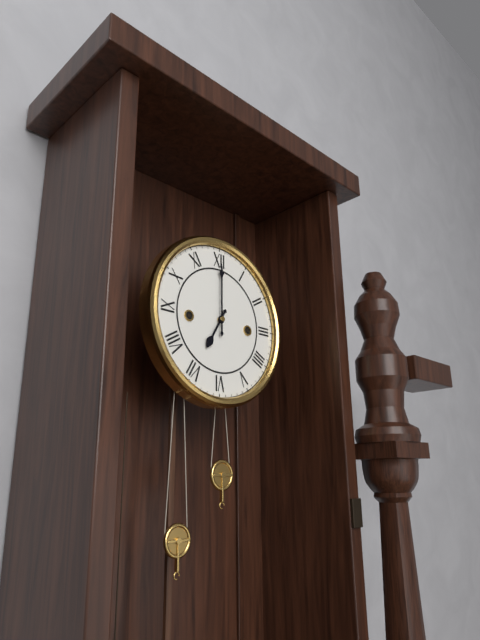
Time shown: 7:00
